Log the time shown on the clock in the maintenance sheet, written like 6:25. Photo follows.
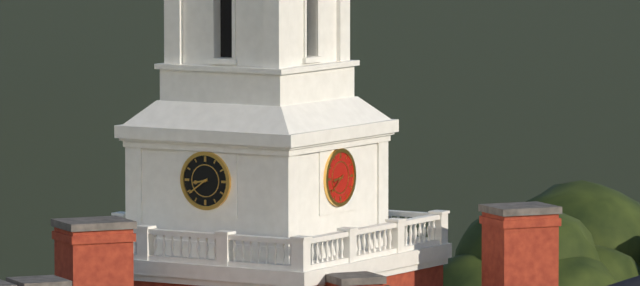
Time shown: 8:39
